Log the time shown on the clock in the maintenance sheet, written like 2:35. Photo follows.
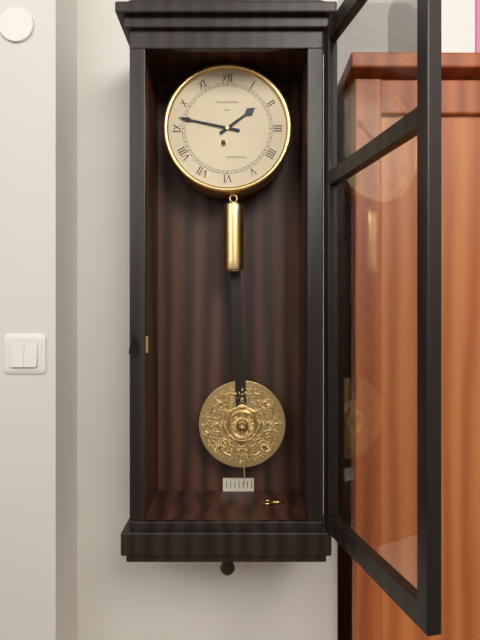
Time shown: 1:47
